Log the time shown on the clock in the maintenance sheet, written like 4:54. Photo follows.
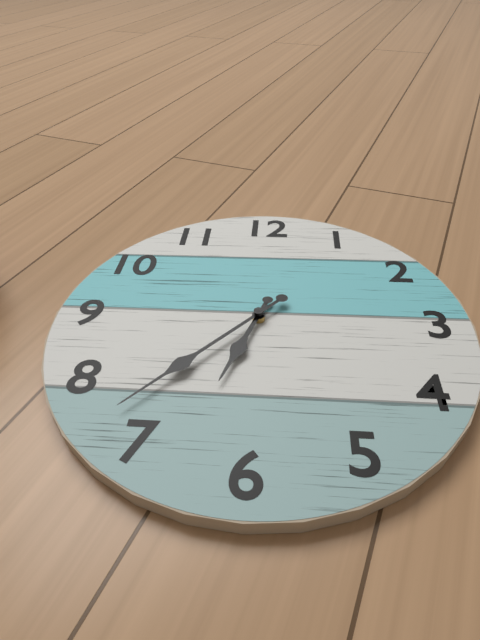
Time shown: 6:37
